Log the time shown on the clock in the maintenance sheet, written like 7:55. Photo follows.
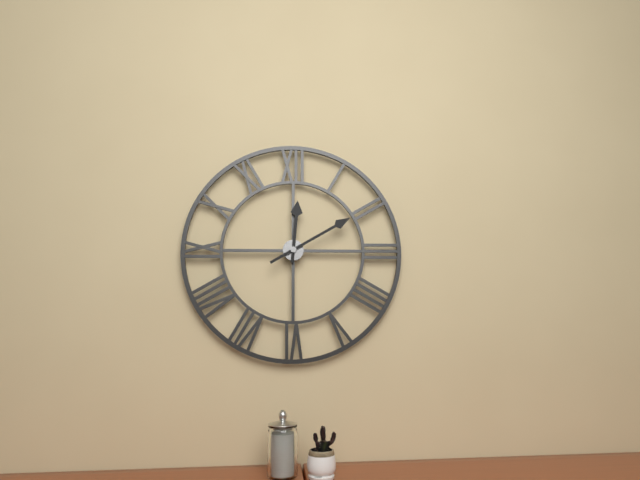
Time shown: 12:10
